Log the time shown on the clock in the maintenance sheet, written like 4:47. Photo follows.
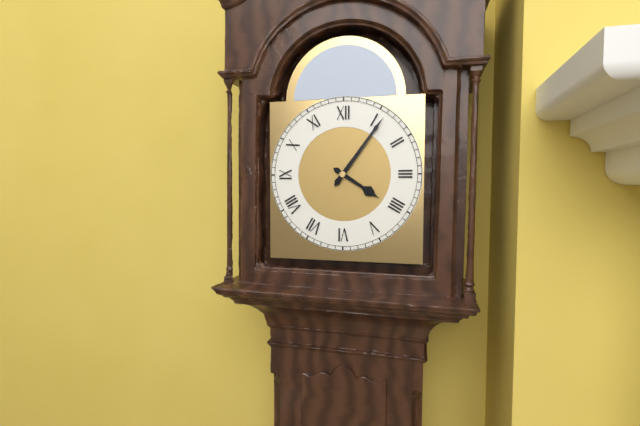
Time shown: 4:06
